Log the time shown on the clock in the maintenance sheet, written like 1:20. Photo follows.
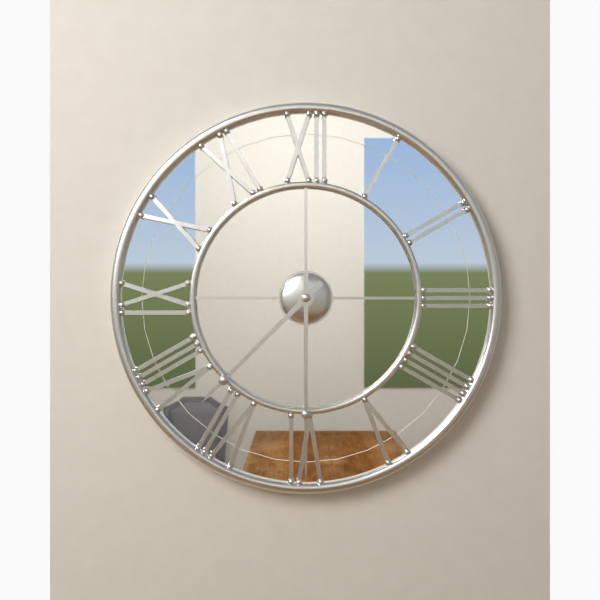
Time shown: 7:30
